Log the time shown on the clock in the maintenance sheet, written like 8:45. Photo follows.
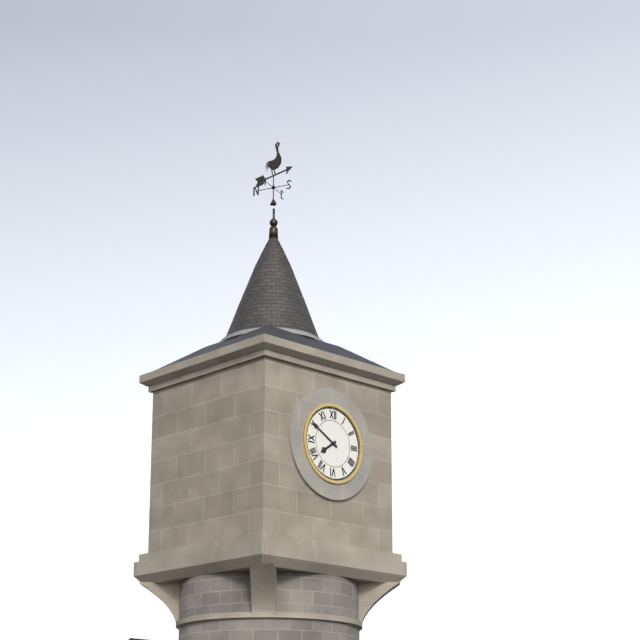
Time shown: 7:50
